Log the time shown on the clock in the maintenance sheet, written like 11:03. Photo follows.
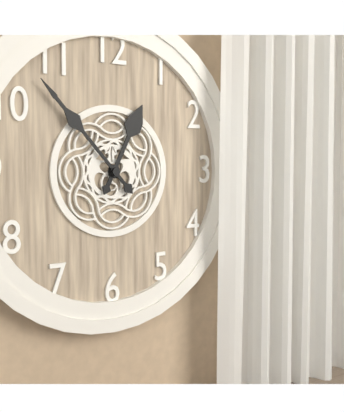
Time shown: 12:53
